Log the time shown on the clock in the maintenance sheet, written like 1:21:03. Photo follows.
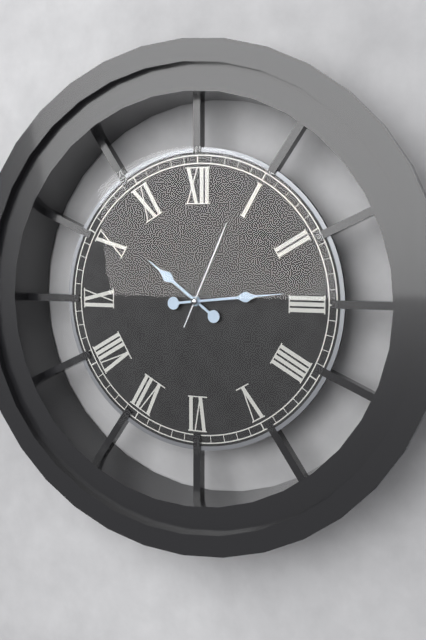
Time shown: 10:14:04
